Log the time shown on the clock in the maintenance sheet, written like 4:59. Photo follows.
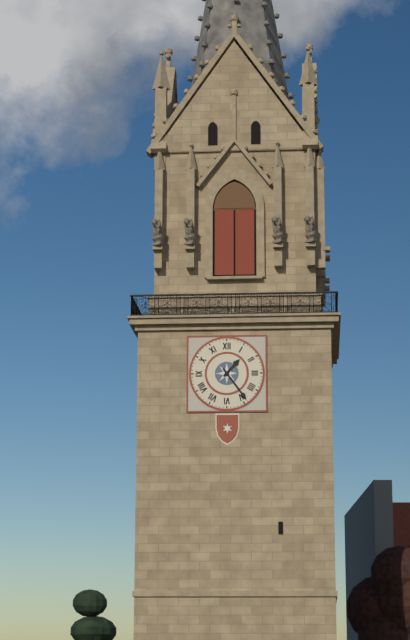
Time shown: 1:24
